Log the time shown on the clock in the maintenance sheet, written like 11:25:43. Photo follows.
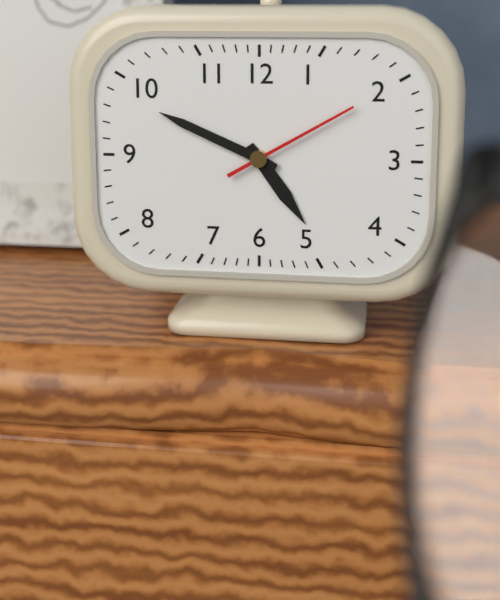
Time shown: 4:49:10
